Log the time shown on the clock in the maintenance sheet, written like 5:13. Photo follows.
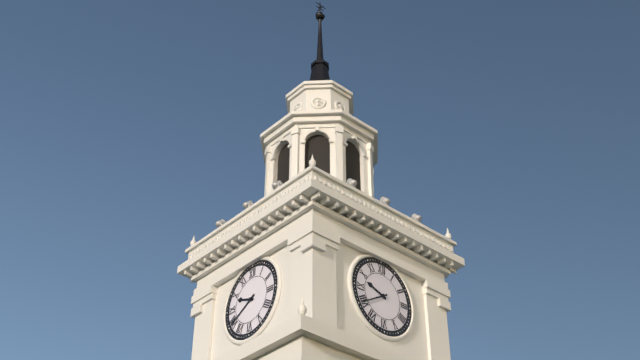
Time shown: 9:40
